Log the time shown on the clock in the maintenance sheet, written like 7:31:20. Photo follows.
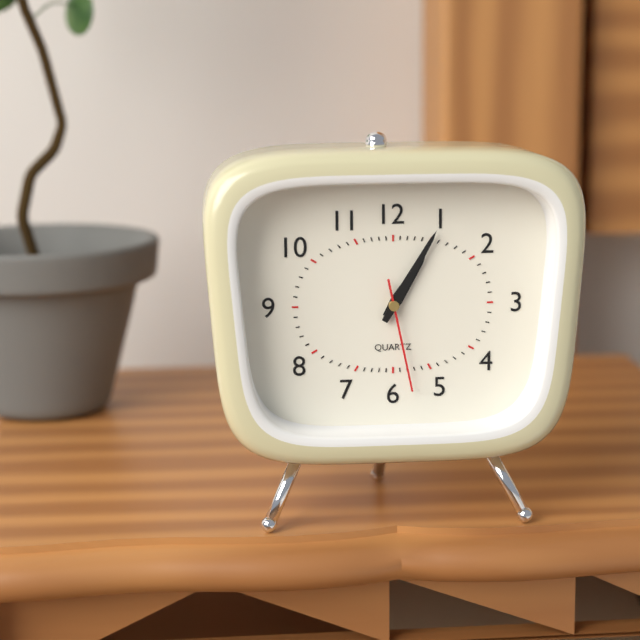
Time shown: 1:05:28
